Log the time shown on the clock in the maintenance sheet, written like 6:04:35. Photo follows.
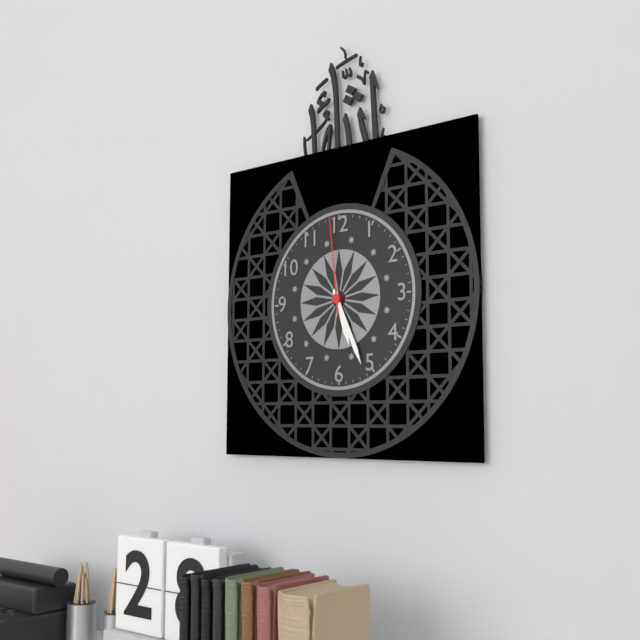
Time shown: 5:26:59
